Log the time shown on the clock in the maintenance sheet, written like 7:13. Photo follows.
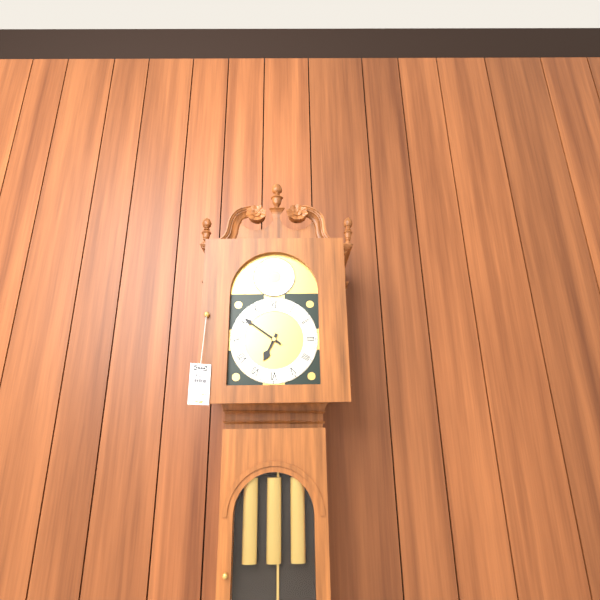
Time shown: 6:51
